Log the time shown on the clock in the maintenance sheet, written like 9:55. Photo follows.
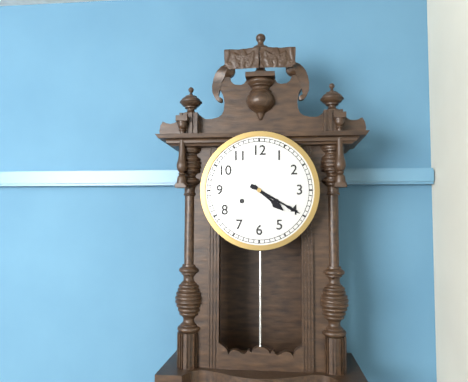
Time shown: 4:20
